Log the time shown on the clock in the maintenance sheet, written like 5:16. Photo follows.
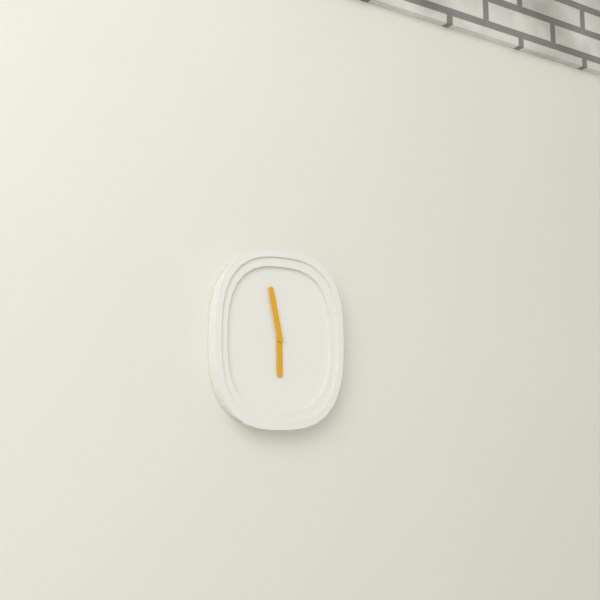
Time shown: 5:58
